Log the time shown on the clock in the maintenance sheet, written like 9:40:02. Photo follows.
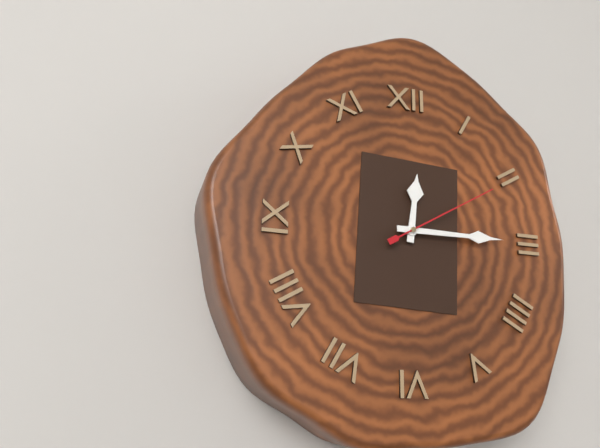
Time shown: 12:15:10
